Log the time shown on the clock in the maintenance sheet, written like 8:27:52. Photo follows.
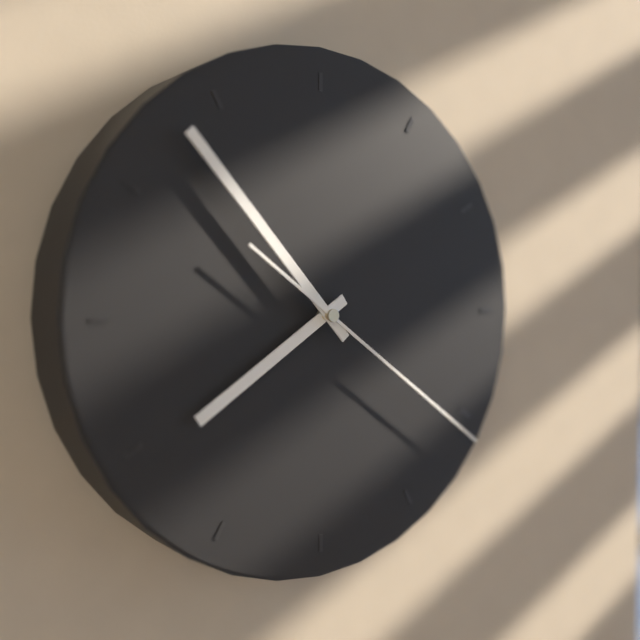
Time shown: 7:53:21
